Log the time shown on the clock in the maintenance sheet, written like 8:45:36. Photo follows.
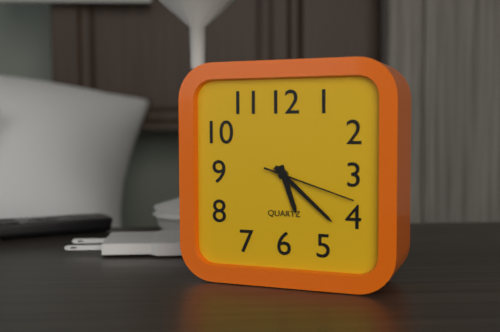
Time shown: 5:22:18
